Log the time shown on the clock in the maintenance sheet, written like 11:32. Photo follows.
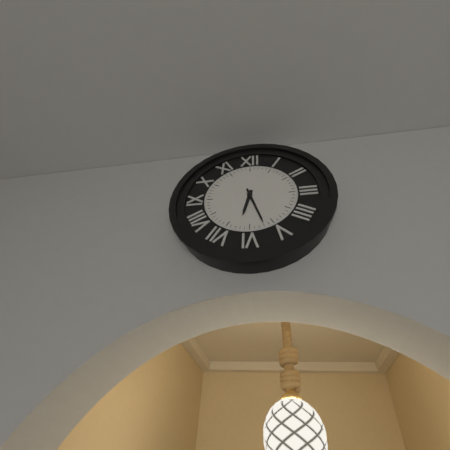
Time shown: 6:27
